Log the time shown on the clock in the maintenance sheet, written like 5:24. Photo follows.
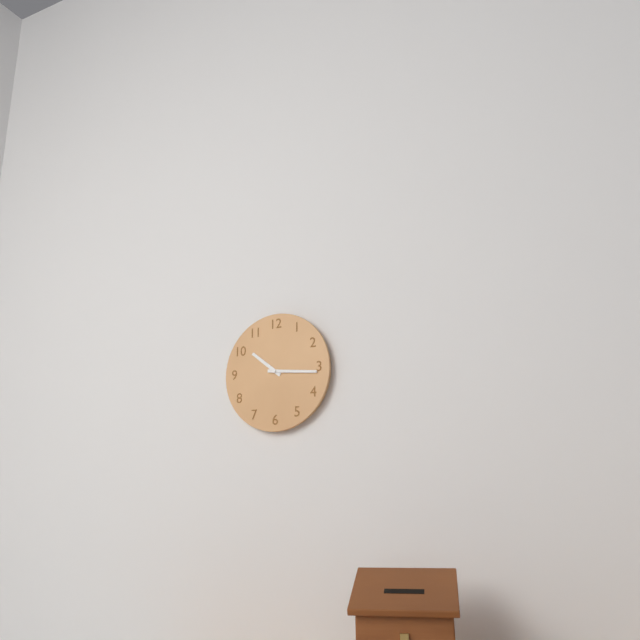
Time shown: 10:16
